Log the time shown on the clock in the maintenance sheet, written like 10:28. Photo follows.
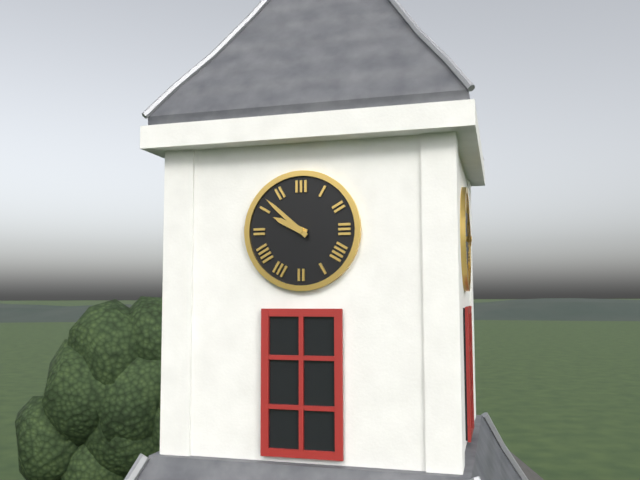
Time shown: 9:52
